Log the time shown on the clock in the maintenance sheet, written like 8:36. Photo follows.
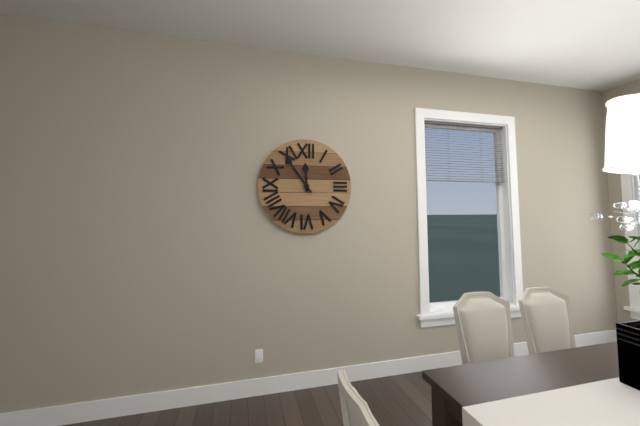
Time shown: 11:54
